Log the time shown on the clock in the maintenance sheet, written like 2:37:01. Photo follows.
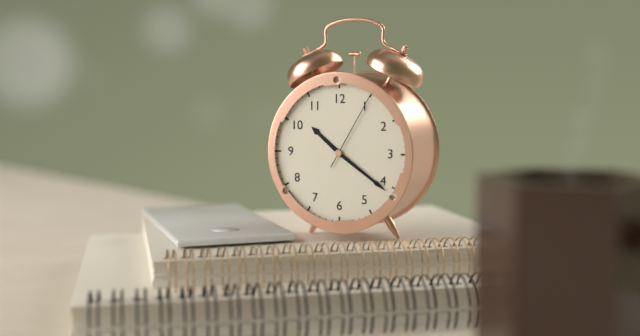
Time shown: 10:21:05
